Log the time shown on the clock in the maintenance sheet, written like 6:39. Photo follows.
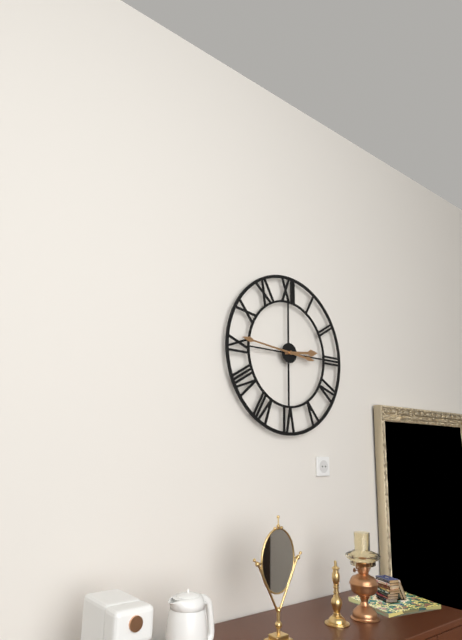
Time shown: 2:46
